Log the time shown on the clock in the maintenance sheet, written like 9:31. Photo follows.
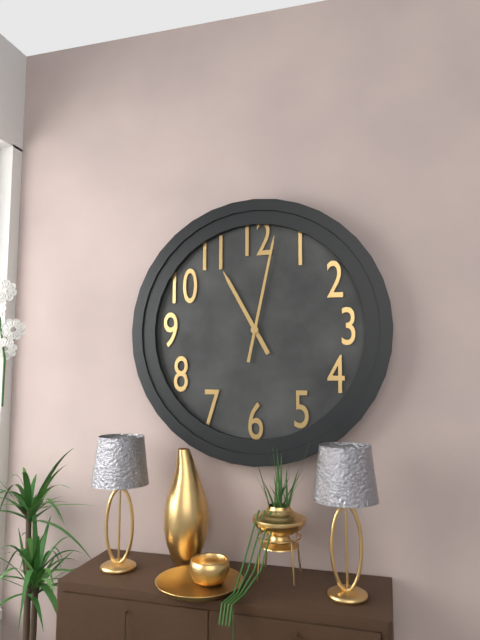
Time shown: 11:02
